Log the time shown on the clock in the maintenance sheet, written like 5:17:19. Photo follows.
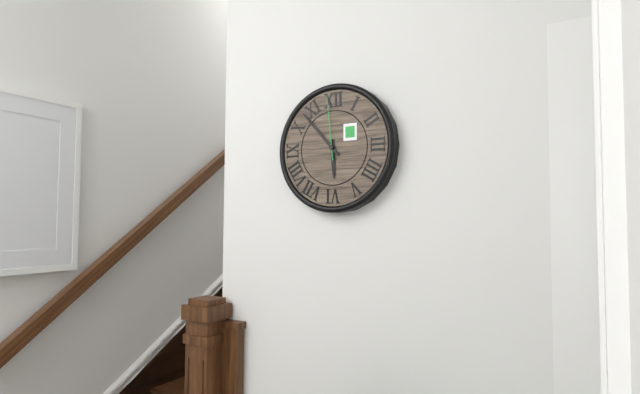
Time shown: 5:53:59
